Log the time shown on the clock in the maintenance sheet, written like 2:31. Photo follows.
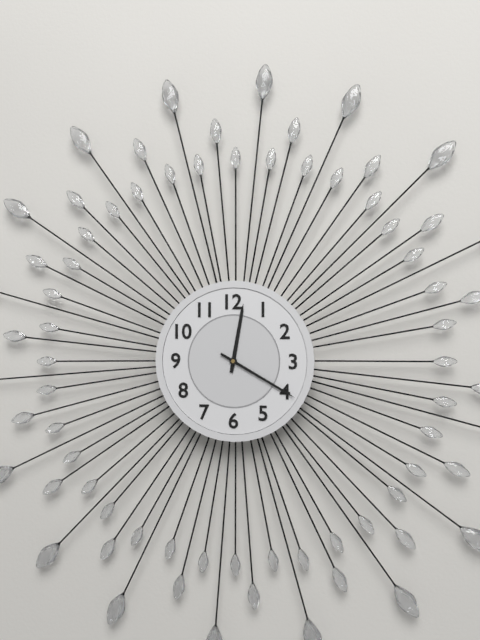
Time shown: 12:20
